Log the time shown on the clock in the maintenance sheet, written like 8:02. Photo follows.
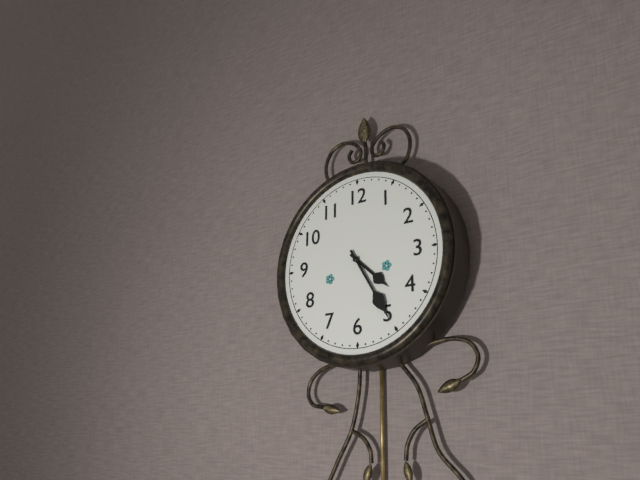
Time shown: 4:25
